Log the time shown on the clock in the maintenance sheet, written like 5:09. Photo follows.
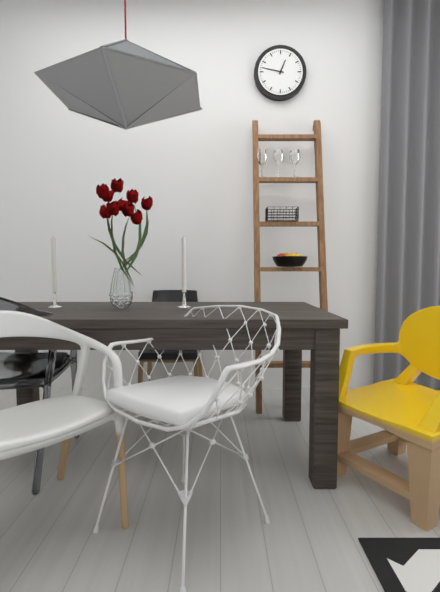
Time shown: 12:47
